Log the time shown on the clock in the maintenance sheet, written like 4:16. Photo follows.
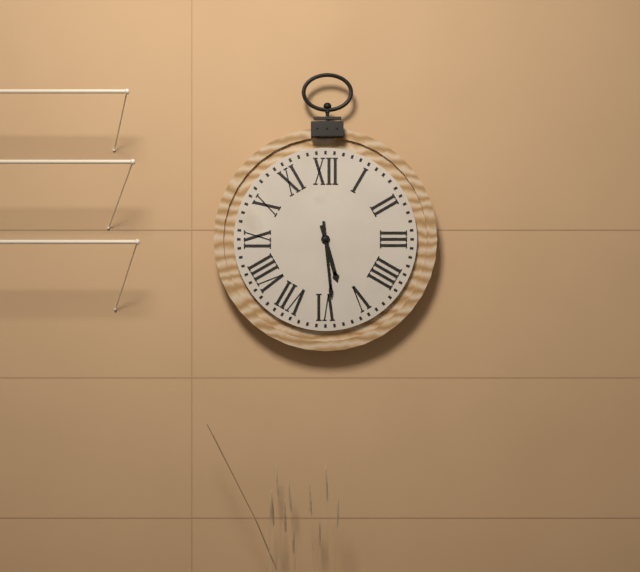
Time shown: 5:29
